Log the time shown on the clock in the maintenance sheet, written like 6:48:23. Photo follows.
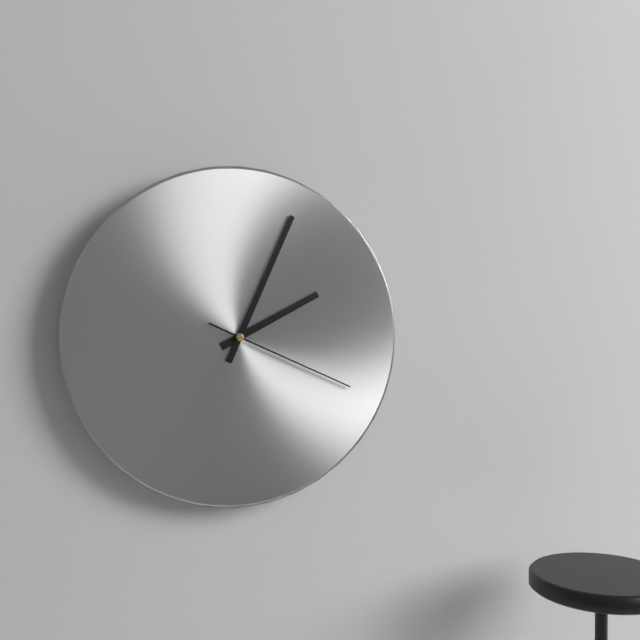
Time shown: 2:04:19
